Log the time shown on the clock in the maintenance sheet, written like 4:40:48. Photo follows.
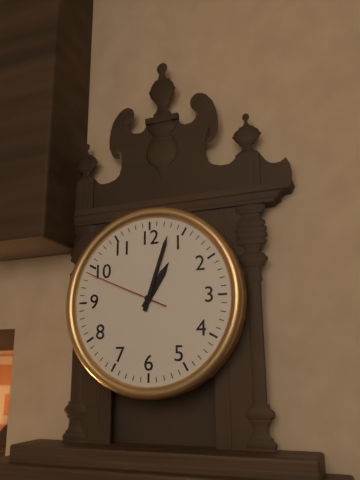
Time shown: 1:03:49
